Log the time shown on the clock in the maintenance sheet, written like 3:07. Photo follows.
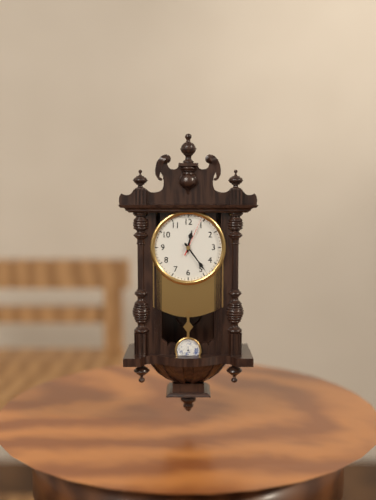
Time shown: 12:24
